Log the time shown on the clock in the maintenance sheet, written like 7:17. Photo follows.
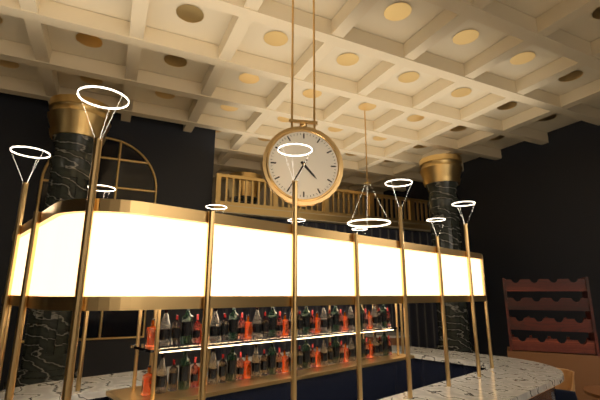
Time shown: 4:35
